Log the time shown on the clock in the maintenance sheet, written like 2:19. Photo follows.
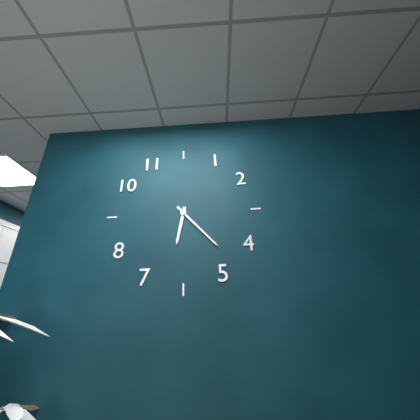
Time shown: 6:23
